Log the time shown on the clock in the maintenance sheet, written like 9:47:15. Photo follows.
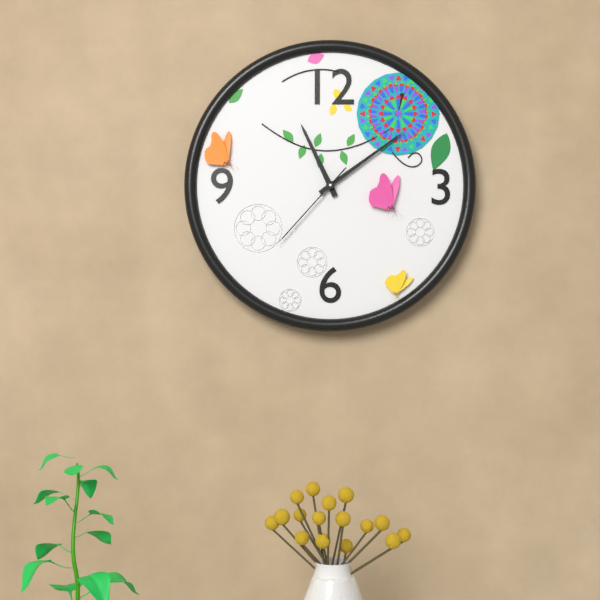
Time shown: 11:09:37
